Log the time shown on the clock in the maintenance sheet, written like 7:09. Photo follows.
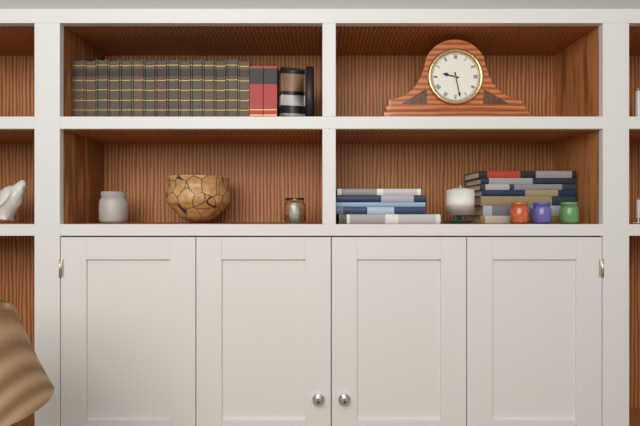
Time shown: 9:28
